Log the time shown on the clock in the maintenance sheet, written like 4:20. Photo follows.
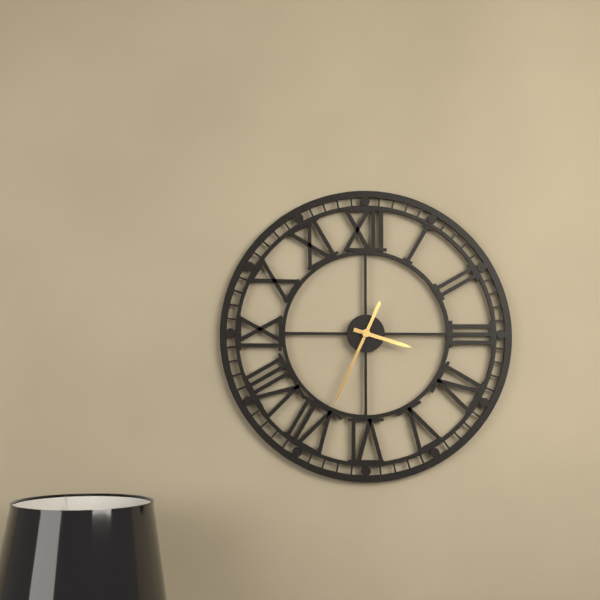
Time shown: 3:34
